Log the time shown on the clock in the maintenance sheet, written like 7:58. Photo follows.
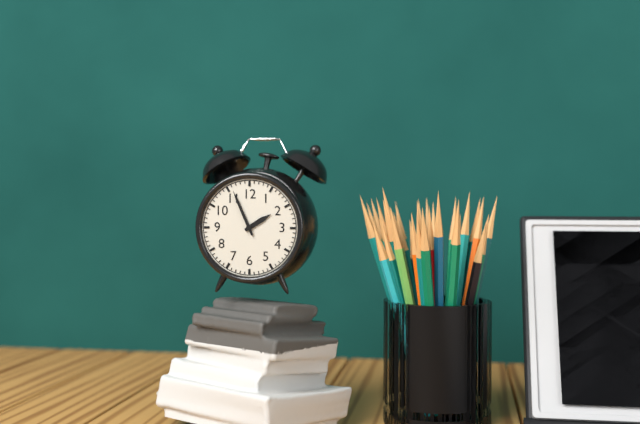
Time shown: 1:56
